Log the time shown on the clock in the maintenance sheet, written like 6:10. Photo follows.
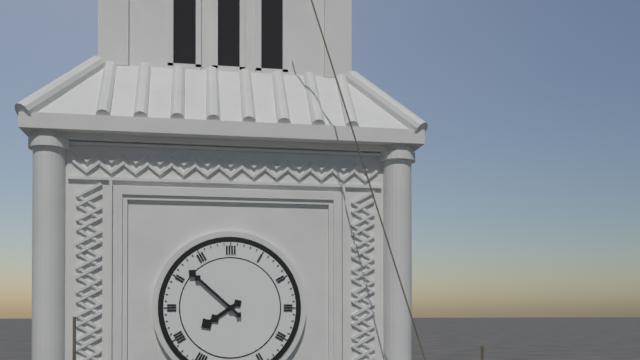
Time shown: 7:52
